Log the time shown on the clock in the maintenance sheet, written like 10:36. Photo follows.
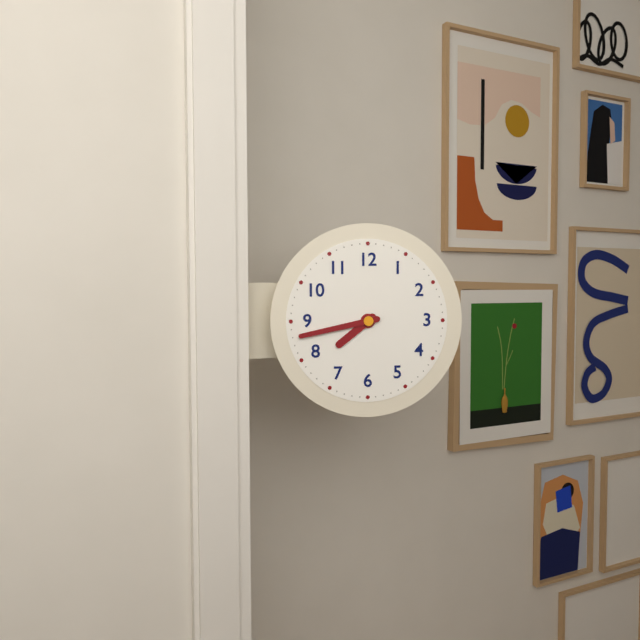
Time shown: 7:43
